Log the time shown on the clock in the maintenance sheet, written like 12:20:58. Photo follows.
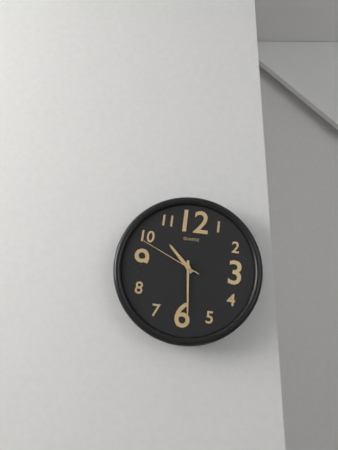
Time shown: 10:29:49
